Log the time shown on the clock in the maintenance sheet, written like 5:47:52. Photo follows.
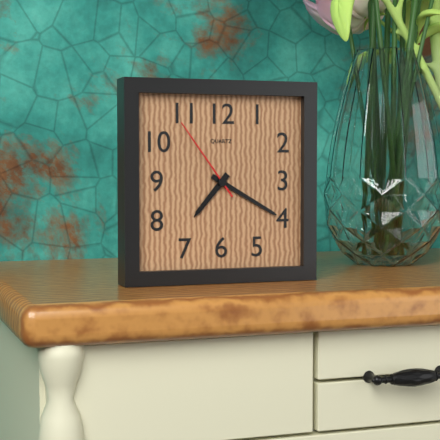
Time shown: 7:20:54
